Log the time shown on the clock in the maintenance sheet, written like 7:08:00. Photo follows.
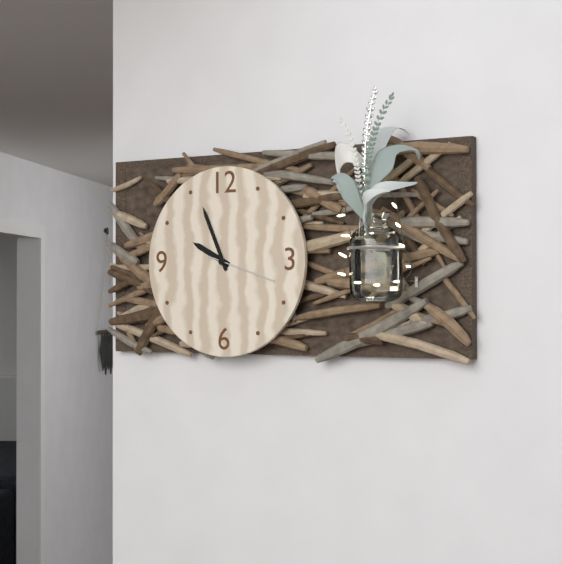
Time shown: 9:56:18
